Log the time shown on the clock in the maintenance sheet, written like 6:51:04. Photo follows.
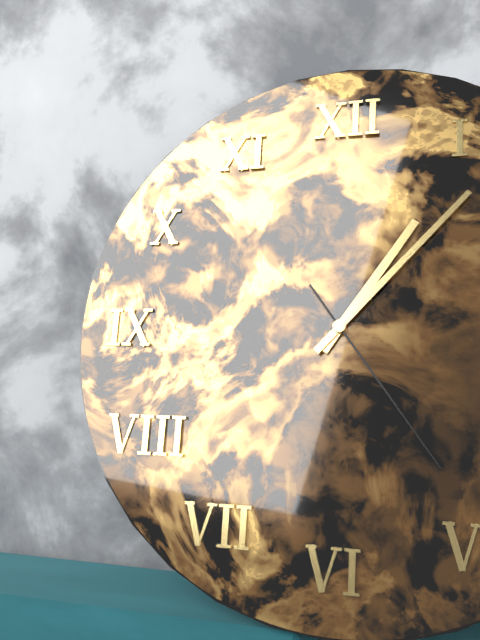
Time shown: 1:07:24
